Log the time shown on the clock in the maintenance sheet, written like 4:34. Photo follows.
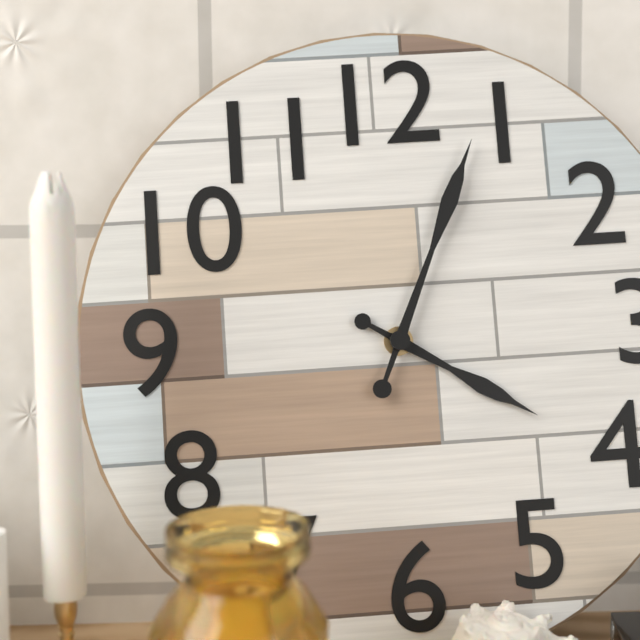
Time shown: 4:04
